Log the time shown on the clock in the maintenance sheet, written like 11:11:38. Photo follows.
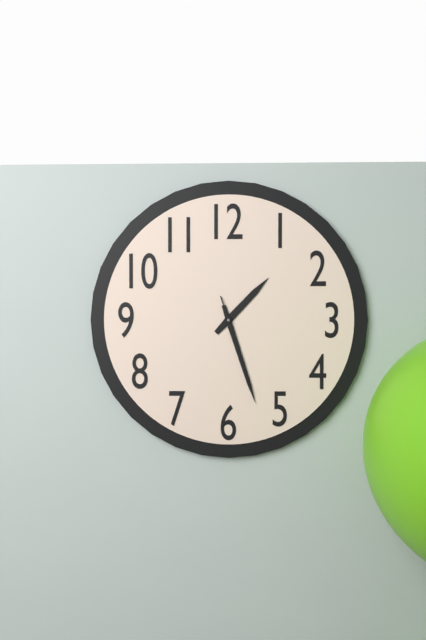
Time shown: 1:27:27
